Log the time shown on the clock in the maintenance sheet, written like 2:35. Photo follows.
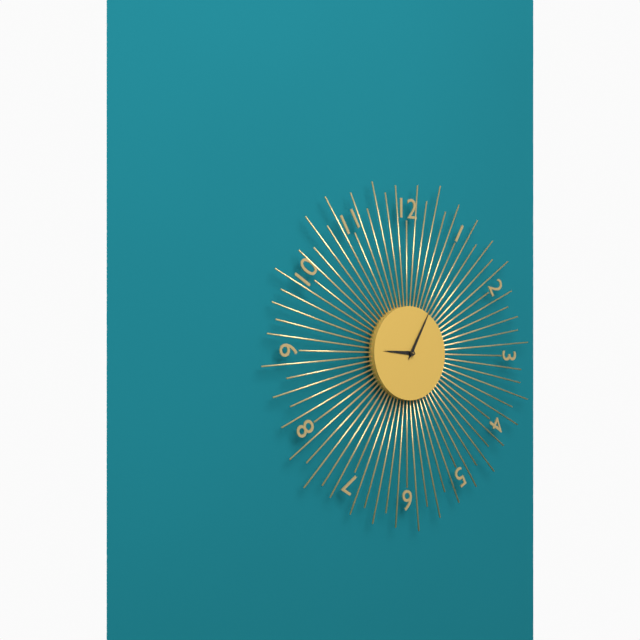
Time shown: 9:05
